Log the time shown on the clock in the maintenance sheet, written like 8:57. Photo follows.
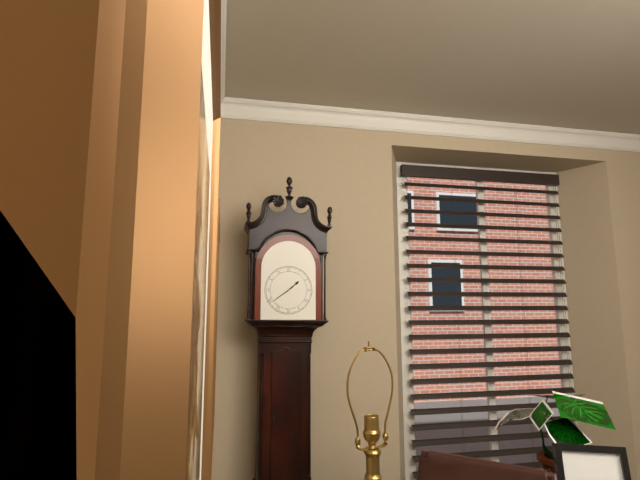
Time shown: 1:39
